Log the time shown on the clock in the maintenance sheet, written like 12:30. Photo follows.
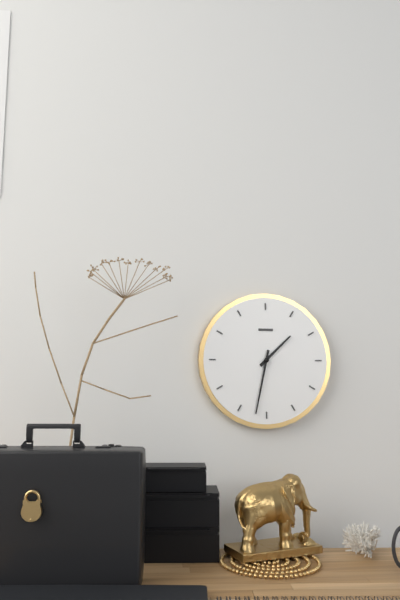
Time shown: 1:32
